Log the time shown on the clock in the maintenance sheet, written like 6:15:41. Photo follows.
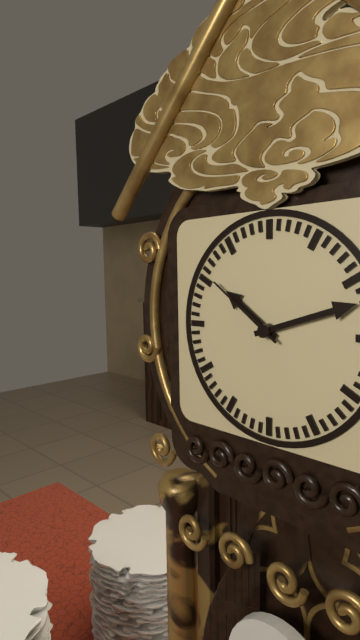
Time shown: 10:12:51
